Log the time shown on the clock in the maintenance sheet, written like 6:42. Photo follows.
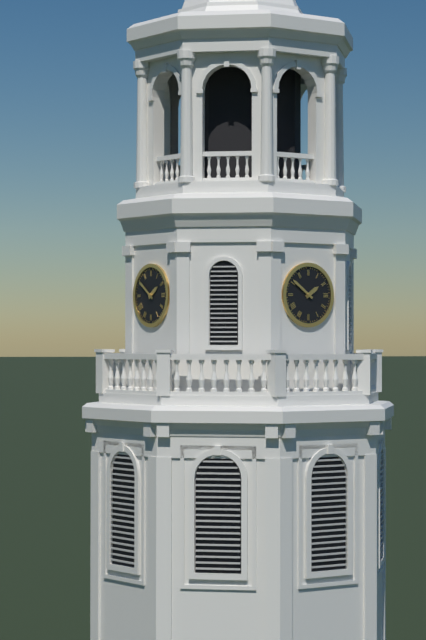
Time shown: 1:51
